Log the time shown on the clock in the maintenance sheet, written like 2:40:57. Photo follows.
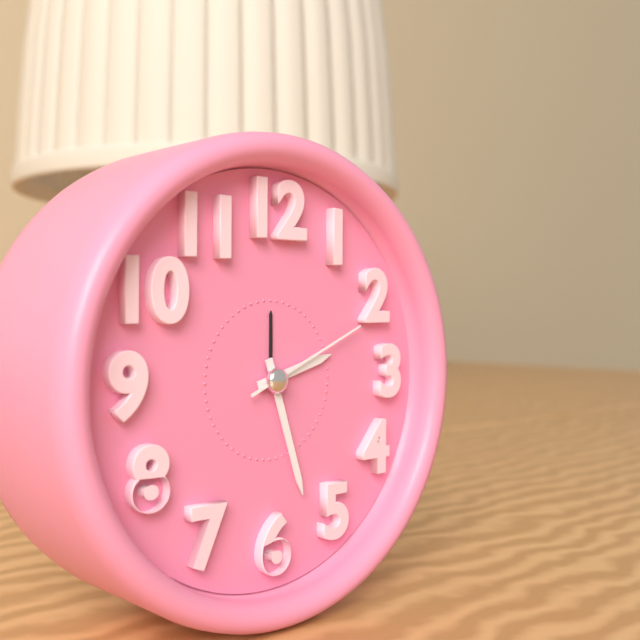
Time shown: 2:27:11
